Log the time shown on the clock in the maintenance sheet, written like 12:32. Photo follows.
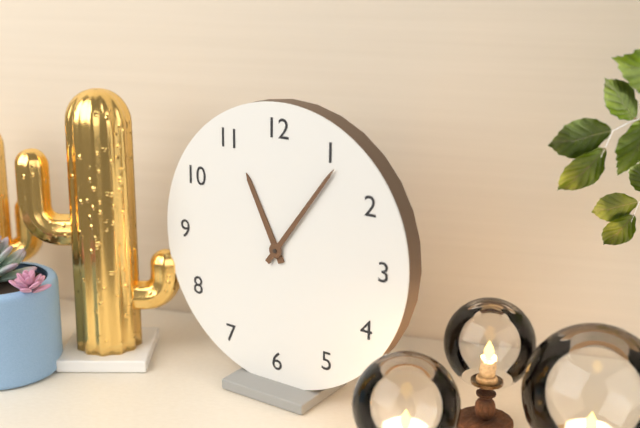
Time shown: 11:06
